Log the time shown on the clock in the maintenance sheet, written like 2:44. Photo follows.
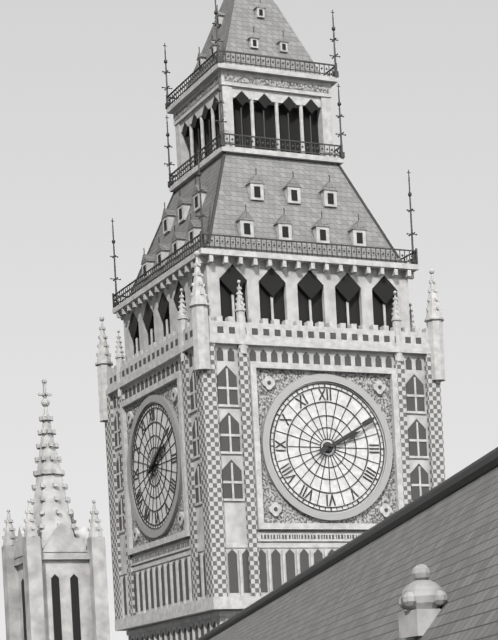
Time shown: 2:10
